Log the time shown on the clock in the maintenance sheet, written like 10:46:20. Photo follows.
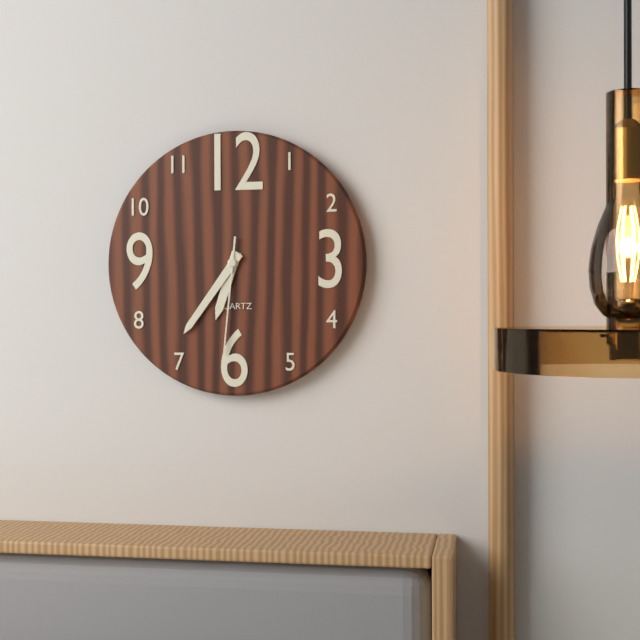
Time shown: 6:36:31
